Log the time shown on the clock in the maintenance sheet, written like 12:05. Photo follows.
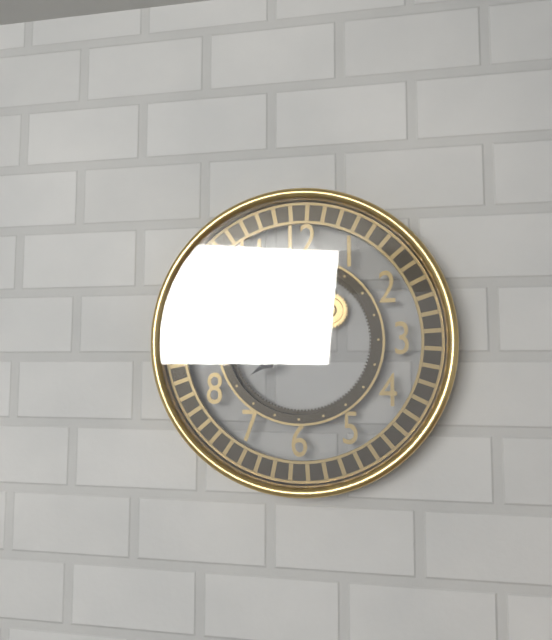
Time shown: 7:48
